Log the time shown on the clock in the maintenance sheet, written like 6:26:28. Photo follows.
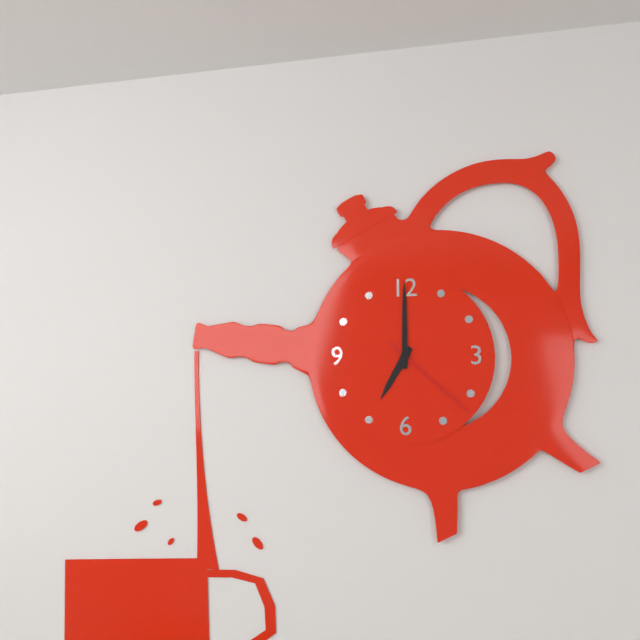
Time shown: 7:00:22
